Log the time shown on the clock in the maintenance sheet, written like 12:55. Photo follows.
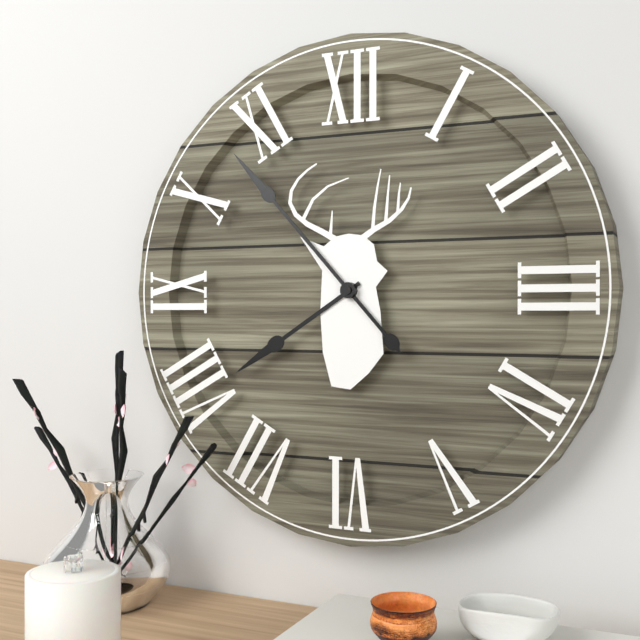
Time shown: 7:53
